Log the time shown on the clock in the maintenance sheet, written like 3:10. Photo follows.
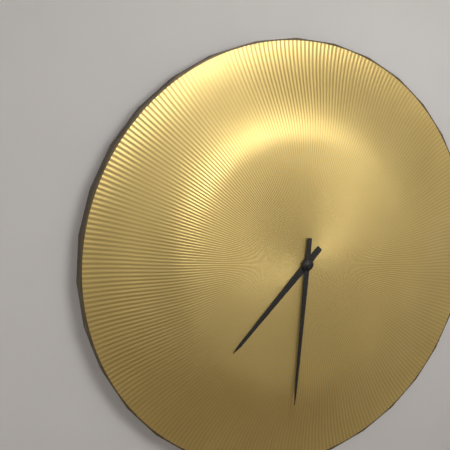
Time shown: 7:31
